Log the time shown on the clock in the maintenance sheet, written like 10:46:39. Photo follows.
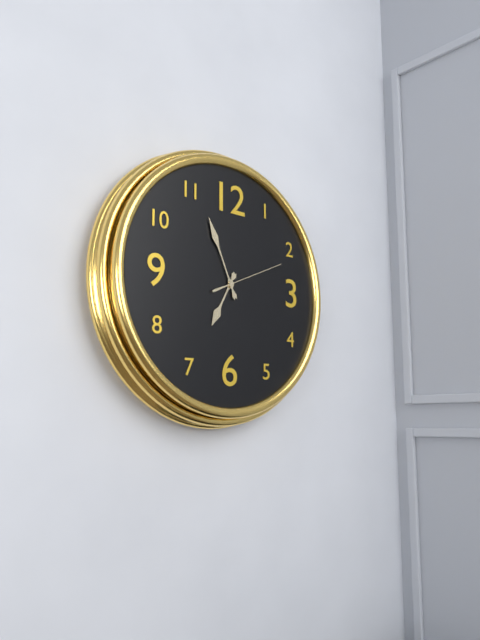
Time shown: 6:56:11
